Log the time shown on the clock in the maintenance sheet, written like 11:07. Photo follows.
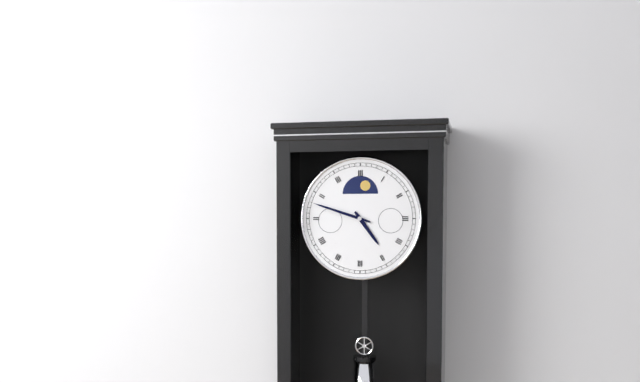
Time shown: 4:48
